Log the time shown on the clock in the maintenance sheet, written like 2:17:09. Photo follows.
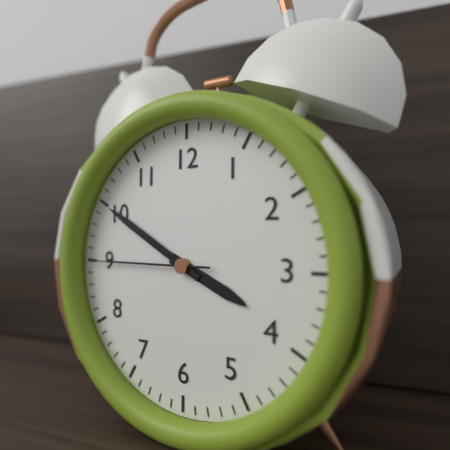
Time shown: 3:50:45
